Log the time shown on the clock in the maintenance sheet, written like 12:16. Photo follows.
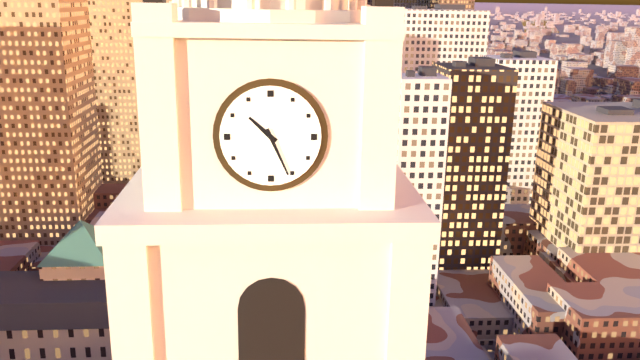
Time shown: 10:26
